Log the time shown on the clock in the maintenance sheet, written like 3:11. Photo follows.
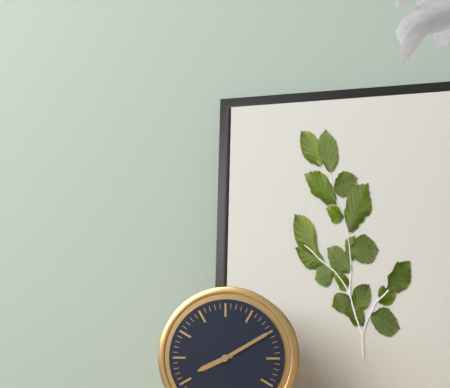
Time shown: 8:10
